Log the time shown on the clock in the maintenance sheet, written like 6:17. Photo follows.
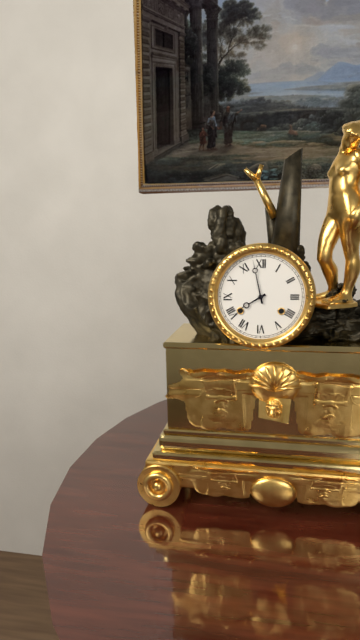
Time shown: 7:58
